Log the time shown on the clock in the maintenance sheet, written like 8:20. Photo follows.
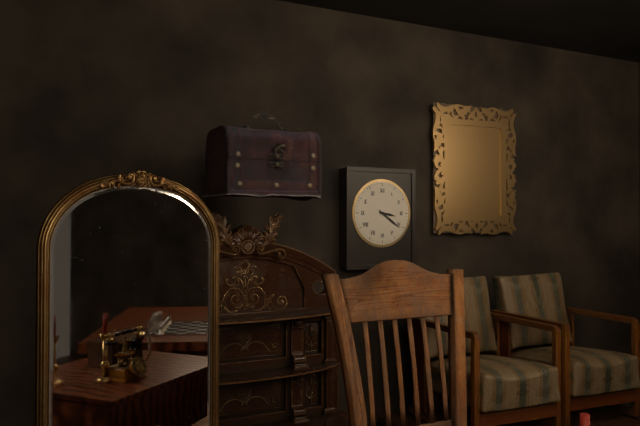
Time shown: 3:21
